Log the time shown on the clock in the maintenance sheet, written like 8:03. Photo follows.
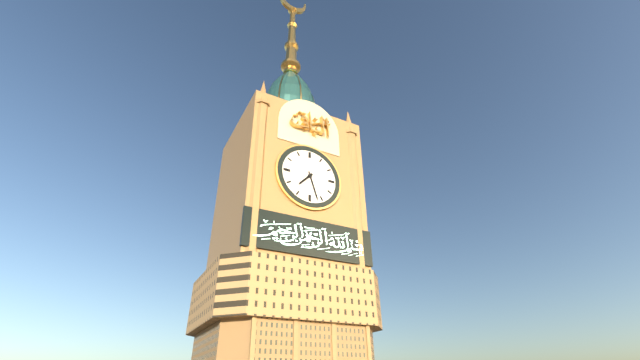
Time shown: 7:27
